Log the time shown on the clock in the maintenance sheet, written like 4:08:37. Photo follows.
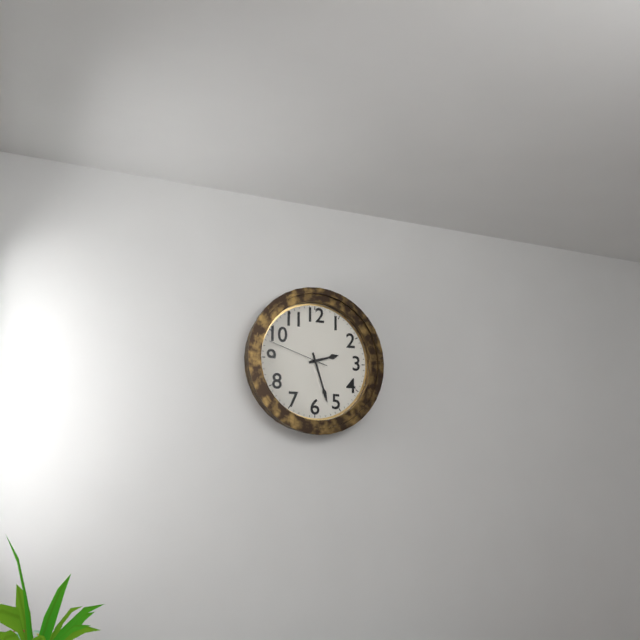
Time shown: 2:27:48
